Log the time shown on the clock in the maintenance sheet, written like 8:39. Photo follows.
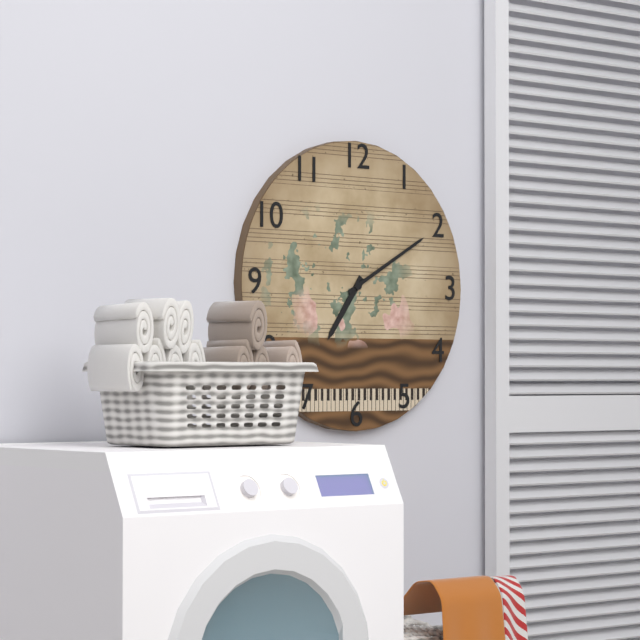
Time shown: 7:10
